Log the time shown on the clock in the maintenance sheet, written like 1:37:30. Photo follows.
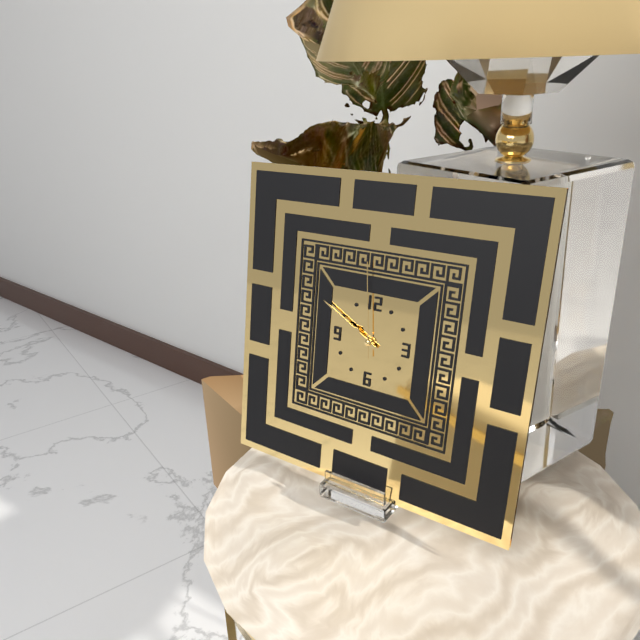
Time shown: 9:50:59
